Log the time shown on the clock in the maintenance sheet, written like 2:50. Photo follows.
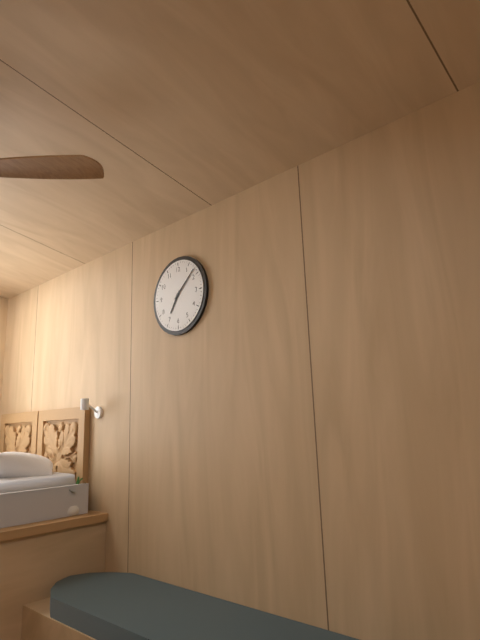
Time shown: 7:08
